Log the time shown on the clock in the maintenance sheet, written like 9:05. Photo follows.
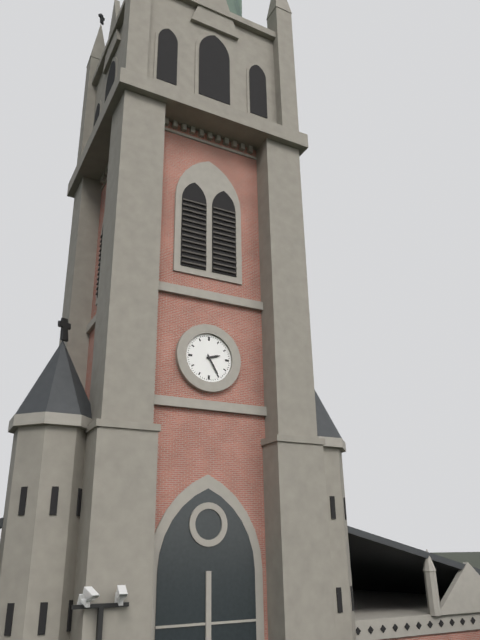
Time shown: 2:25
